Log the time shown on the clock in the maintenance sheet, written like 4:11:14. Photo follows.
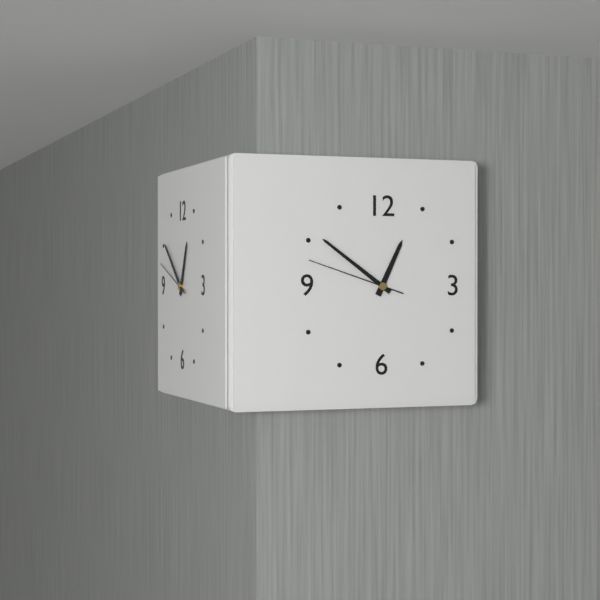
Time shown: 12:51:48
